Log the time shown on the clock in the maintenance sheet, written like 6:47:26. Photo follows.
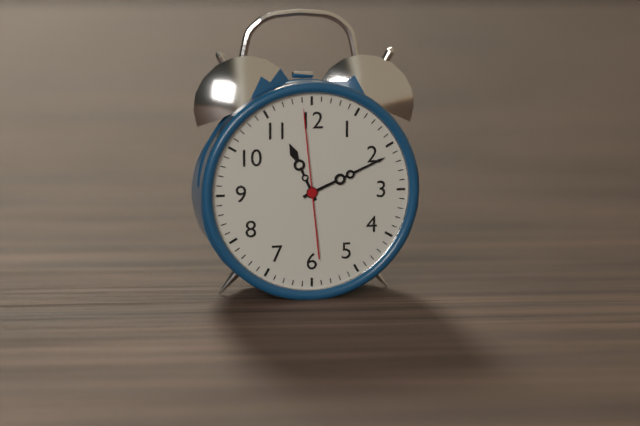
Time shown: 11:11:59
